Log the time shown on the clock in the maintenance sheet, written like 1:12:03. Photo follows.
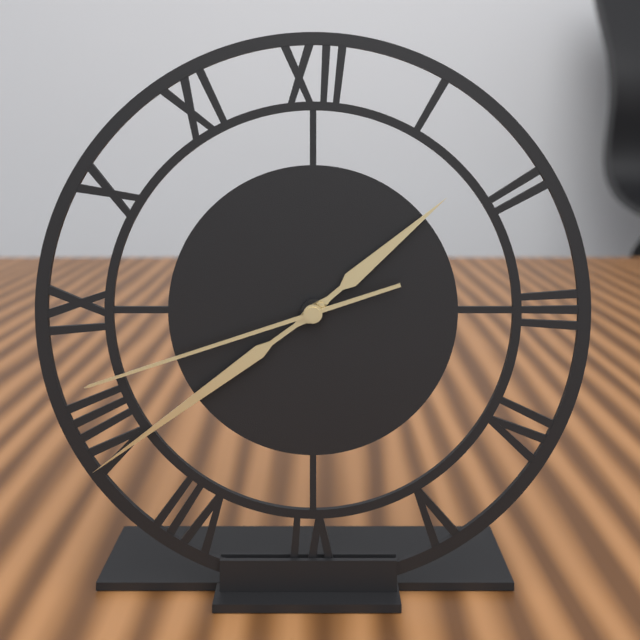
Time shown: 1:39:42
